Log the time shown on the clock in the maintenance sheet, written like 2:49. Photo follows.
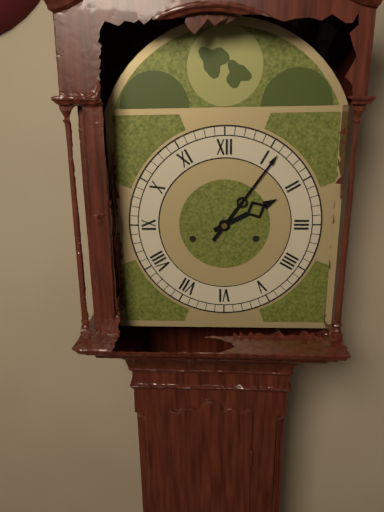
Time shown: 2:06
